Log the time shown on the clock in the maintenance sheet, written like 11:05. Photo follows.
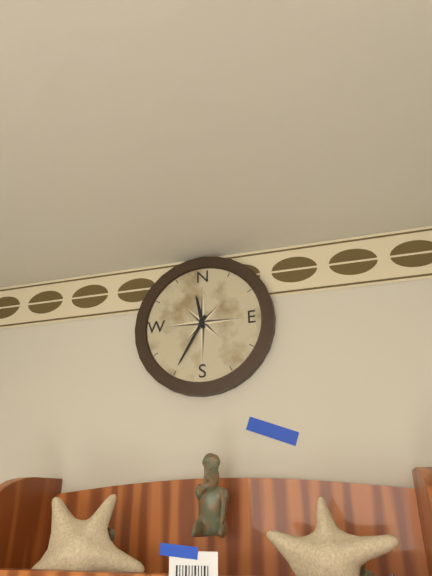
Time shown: 11:35
